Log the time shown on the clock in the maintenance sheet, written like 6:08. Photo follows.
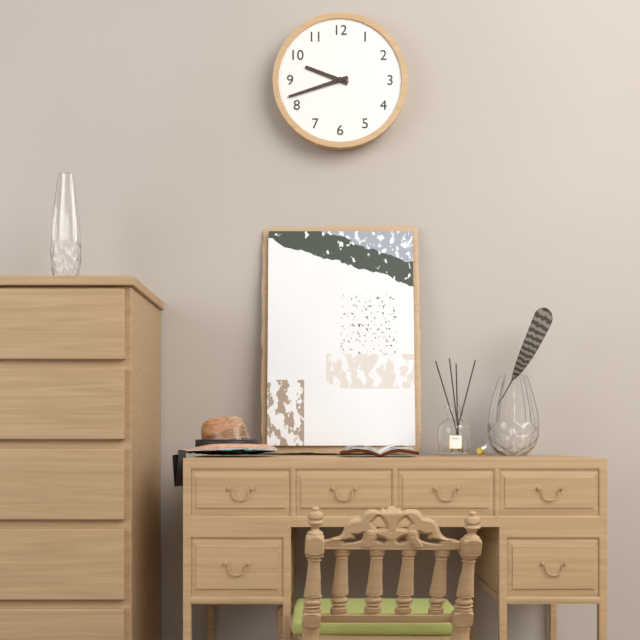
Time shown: 9:42
